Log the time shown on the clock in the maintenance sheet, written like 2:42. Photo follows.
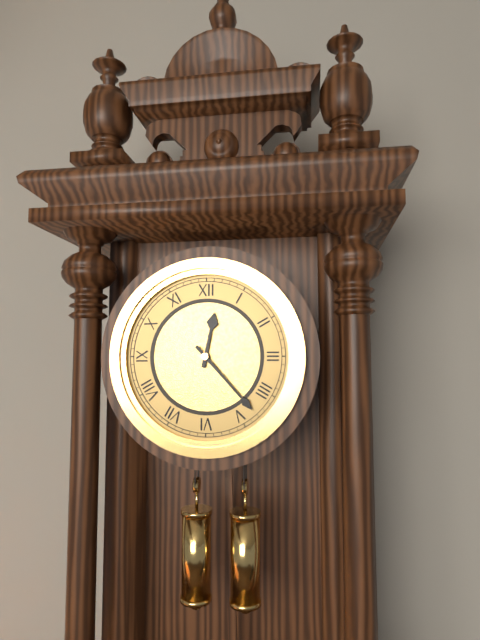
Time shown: 12:23
